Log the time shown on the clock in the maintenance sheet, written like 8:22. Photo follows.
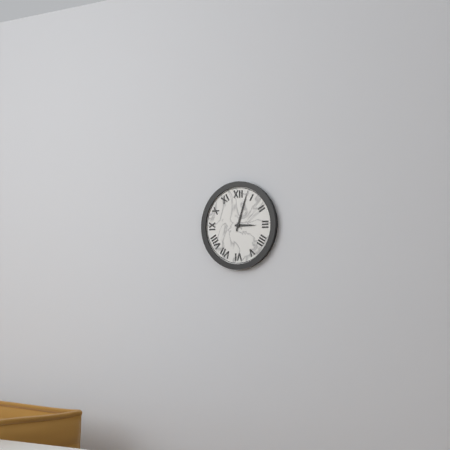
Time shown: 3:03
